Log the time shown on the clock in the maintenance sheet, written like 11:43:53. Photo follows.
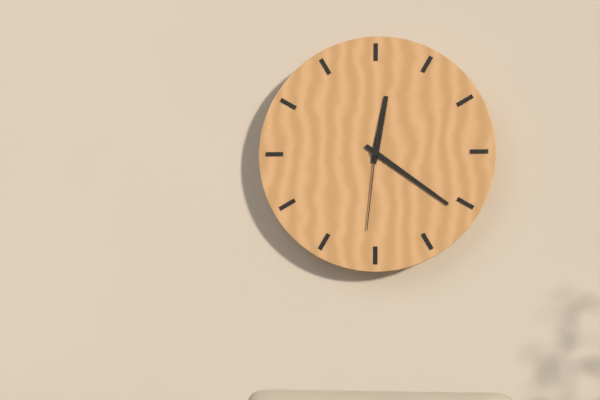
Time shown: 12:21:31
